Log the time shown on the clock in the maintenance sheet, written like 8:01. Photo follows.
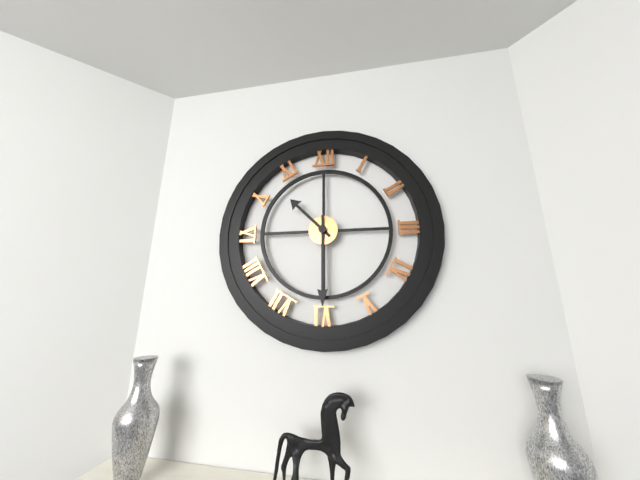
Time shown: 10:30
